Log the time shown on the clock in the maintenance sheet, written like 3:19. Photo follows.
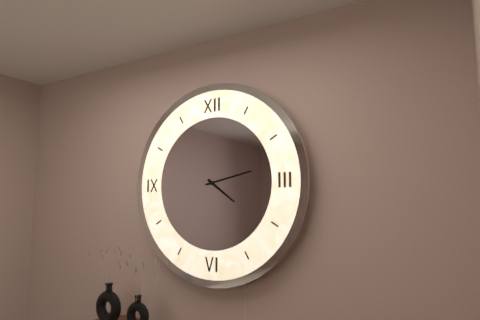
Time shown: 4:13
